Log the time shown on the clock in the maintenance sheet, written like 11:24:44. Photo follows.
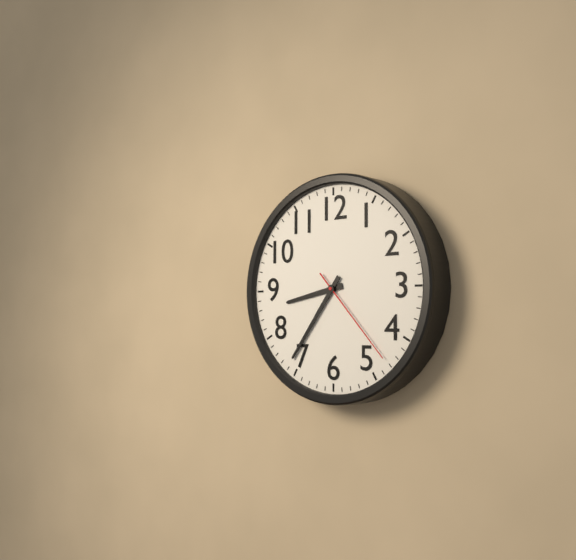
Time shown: 8:36:23
